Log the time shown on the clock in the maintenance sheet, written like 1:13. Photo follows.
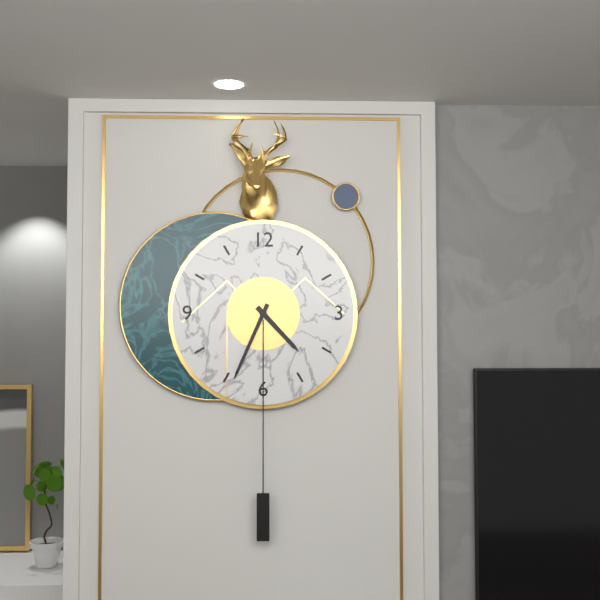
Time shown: 4:34
